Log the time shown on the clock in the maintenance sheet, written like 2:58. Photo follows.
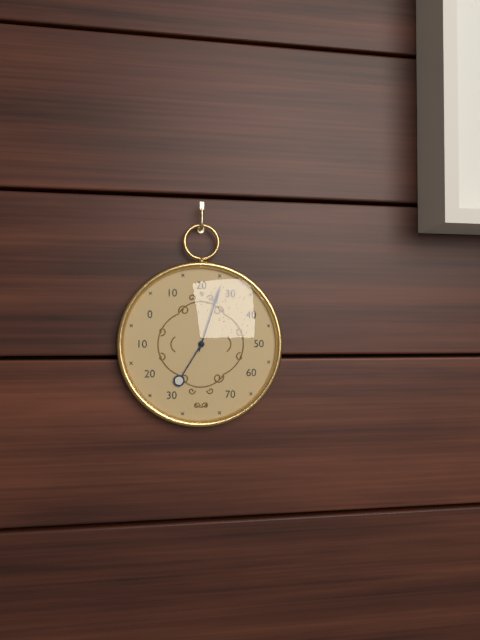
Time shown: 7:03
